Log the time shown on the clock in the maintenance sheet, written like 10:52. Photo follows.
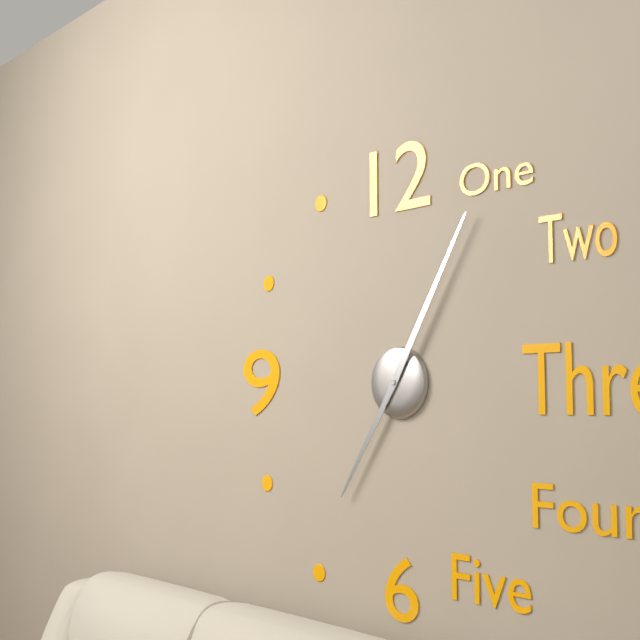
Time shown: 7:05
